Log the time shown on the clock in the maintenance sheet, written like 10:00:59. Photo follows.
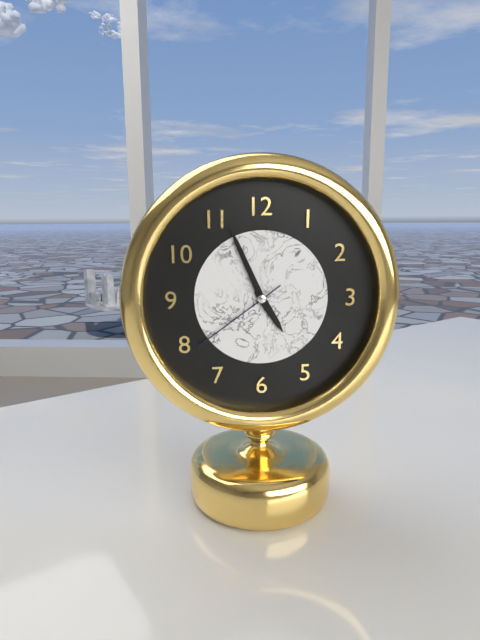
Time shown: 4:56:39
